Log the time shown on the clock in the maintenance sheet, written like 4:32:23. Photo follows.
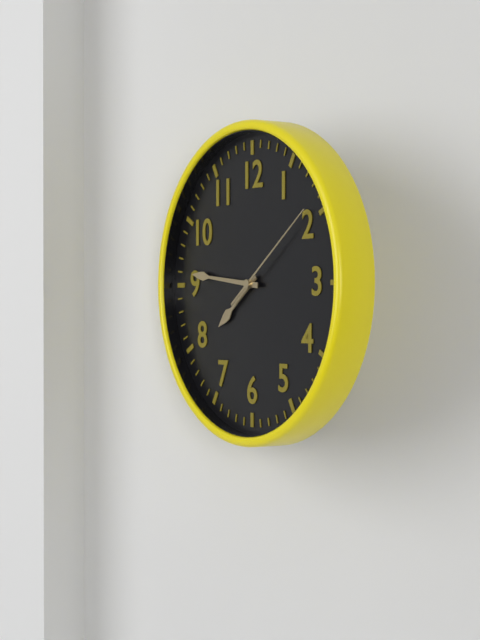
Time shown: 7:46:09
